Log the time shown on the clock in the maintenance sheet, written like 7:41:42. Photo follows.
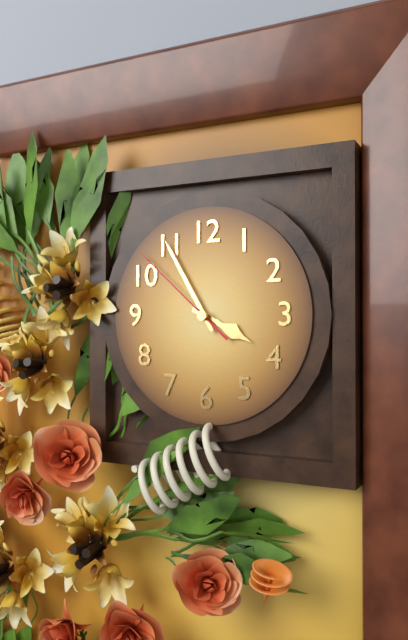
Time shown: 3:55:52
